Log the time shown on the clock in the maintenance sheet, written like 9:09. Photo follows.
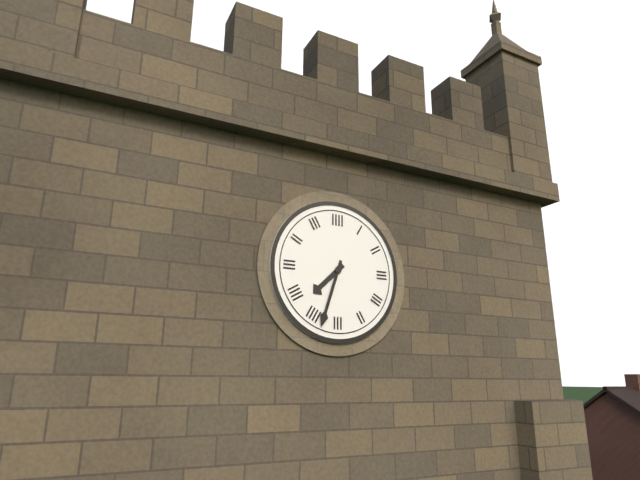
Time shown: 7:33
